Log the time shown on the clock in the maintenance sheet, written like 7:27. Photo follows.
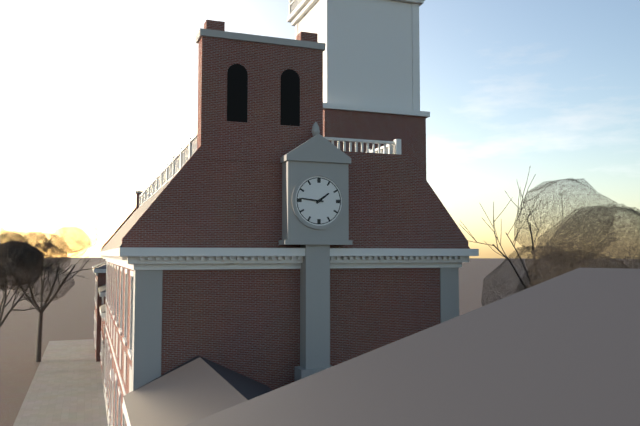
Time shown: 1:46
